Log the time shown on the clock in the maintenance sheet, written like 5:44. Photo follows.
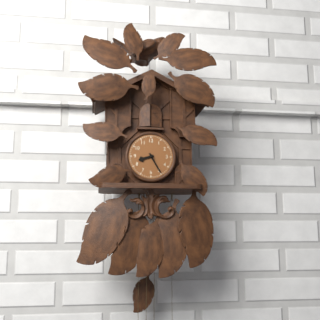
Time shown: 8:25
